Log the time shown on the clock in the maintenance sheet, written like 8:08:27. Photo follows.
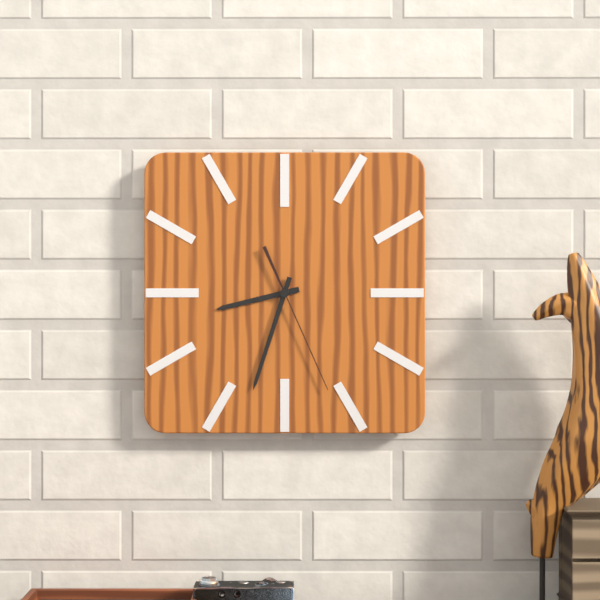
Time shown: 8:33:26
